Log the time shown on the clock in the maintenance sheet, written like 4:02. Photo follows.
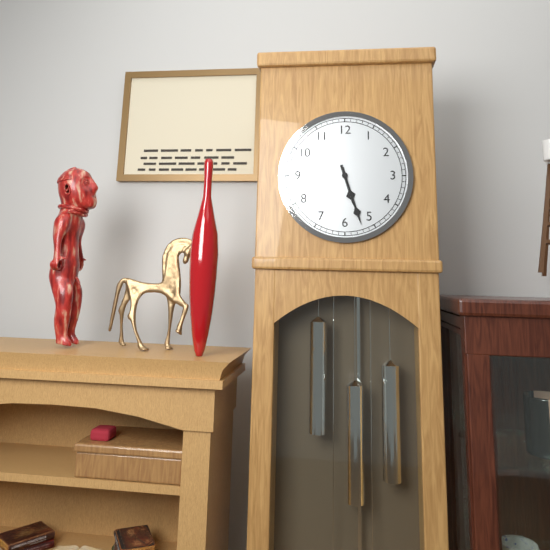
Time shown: 5:27
